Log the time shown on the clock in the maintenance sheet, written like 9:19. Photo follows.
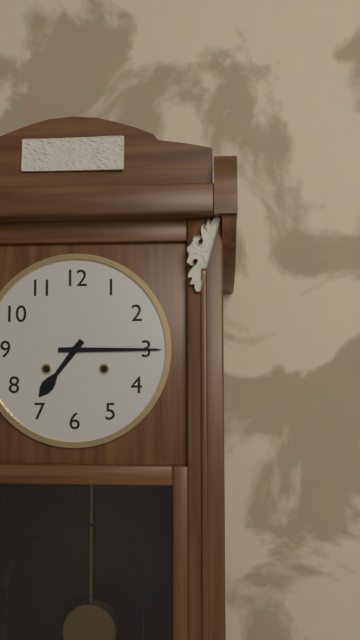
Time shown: 7:15
